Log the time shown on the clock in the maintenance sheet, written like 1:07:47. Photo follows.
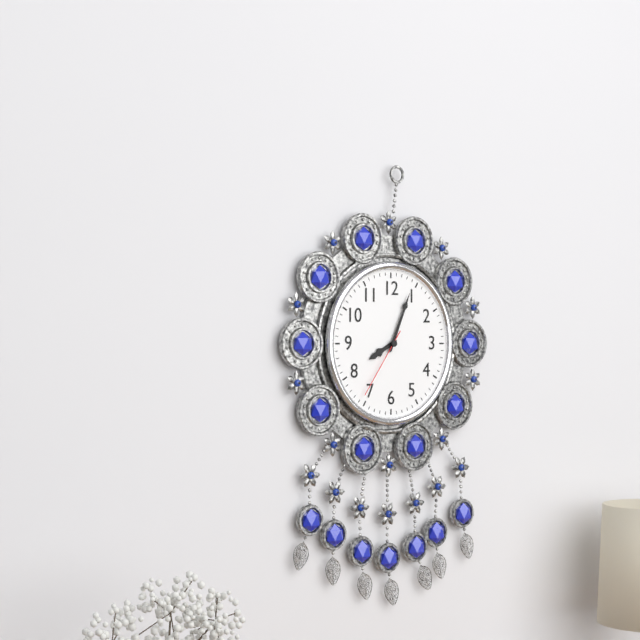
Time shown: 8:04:36
